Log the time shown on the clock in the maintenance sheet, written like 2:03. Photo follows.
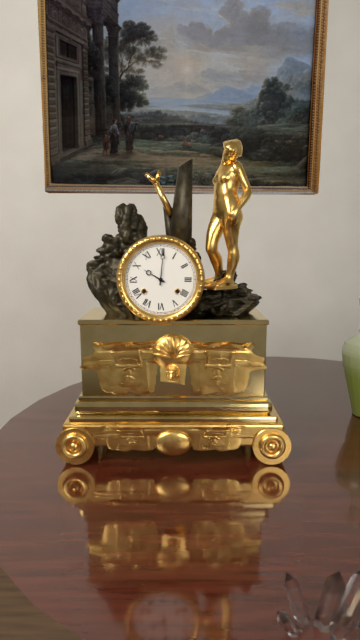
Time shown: 10:01
